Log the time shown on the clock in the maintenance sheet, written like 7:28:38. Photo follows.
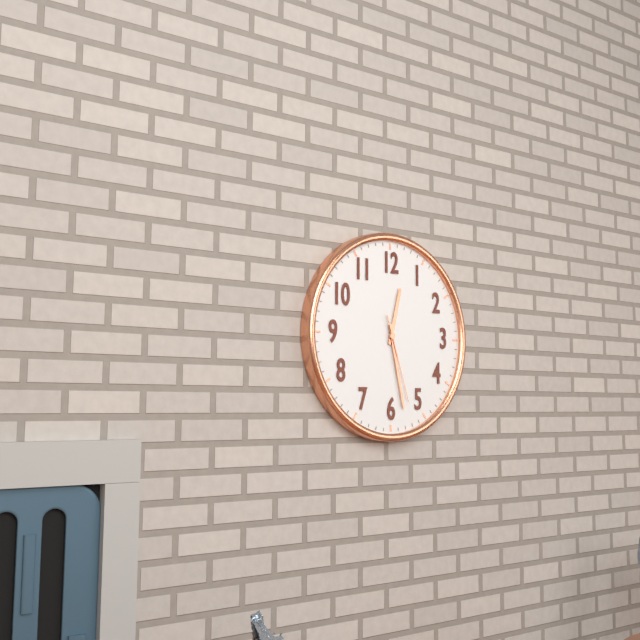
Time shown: 12:28:27
